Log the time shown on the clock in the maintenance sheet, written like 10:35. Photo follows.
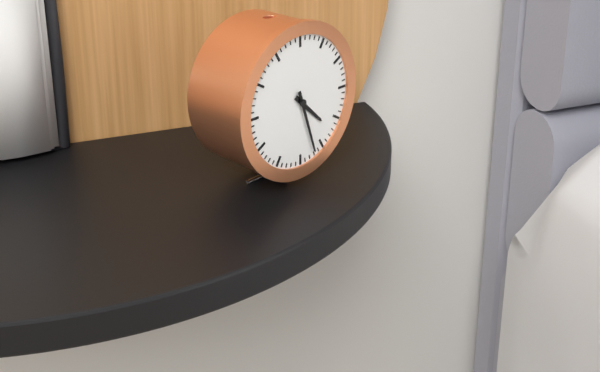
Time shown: 4:27
